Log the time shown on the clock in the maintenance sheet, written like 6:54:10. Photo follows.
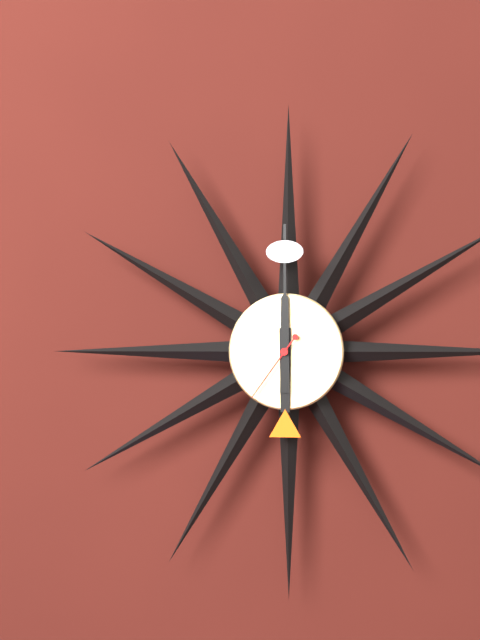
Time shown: 6:00:36
